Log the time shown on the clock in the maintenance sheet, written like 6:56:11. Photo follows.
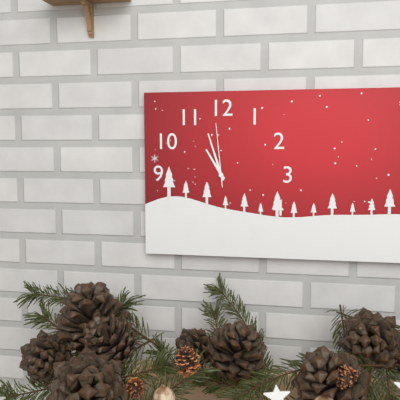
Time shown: 10:57:59
